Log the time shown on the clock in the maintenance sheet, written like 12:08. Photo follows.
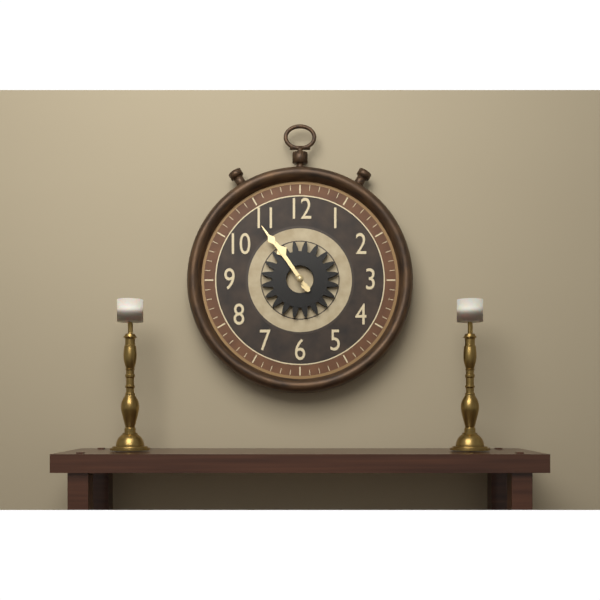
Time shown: 10:54
